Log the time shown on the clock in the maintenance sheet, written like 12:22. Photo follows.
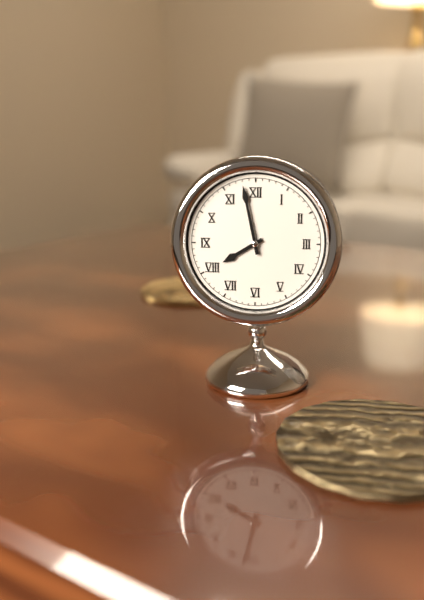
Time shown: 7:58
